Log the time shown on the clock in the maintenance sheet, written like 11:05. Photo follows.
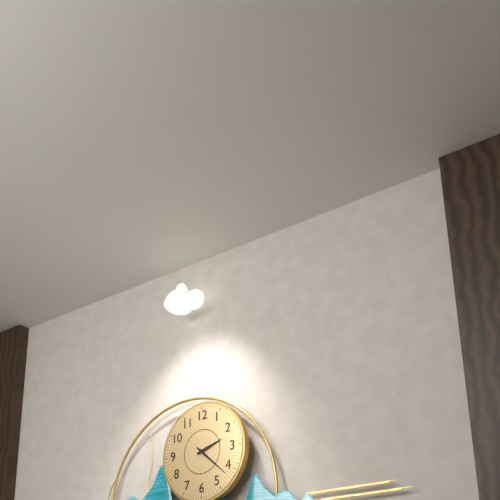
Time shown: 2:22
